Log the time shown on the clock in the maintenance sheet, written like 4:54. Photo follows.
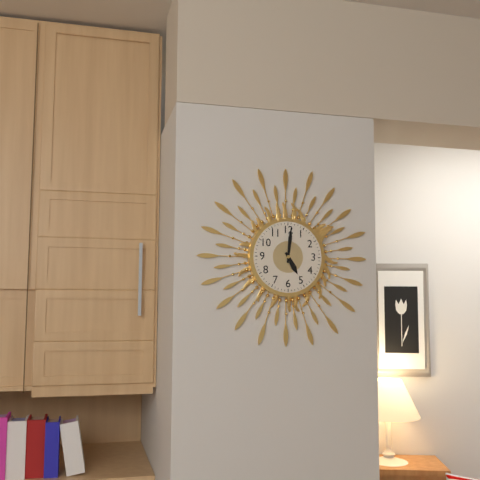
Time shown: 5:01
